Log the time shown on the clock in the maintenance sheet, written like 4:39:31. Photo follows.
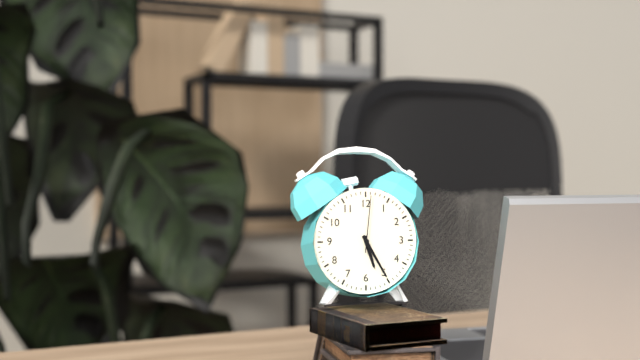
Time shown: 5:25:01
